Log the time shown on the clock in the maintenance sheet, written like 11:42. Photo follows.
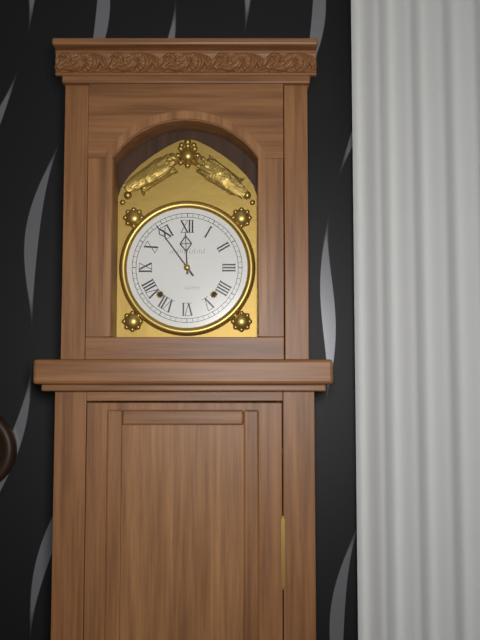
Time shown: 11:54
